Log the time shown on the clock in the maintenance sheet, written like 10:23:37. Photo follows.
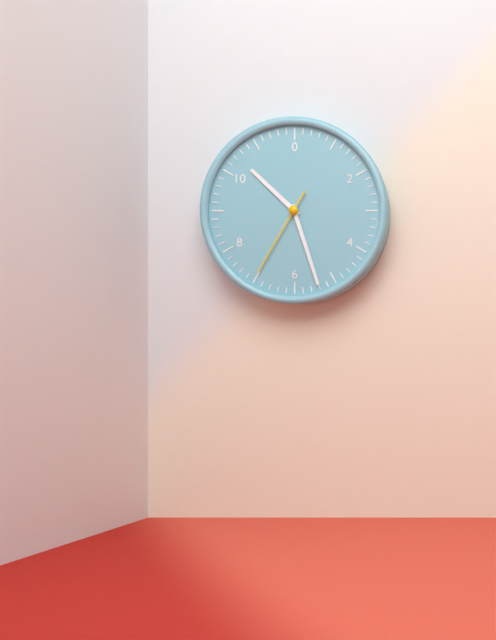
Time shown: 10:27:35
